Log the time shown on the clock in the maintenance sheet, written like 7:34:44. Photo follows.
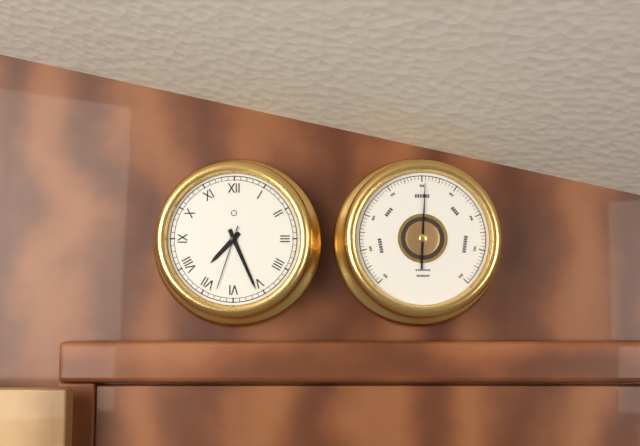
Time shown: 7:26:33
